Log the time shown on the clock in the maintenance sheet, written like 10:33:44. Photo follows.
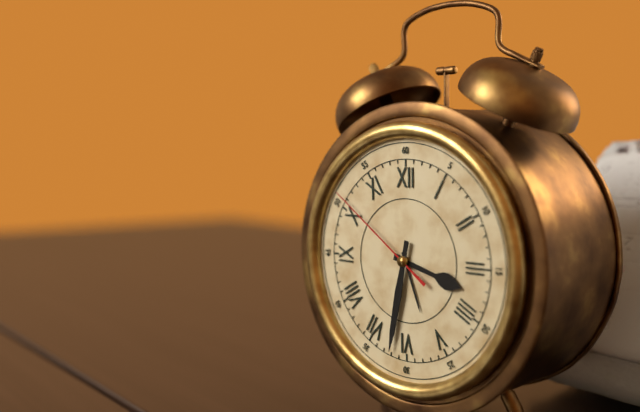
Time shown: 3:32:51
